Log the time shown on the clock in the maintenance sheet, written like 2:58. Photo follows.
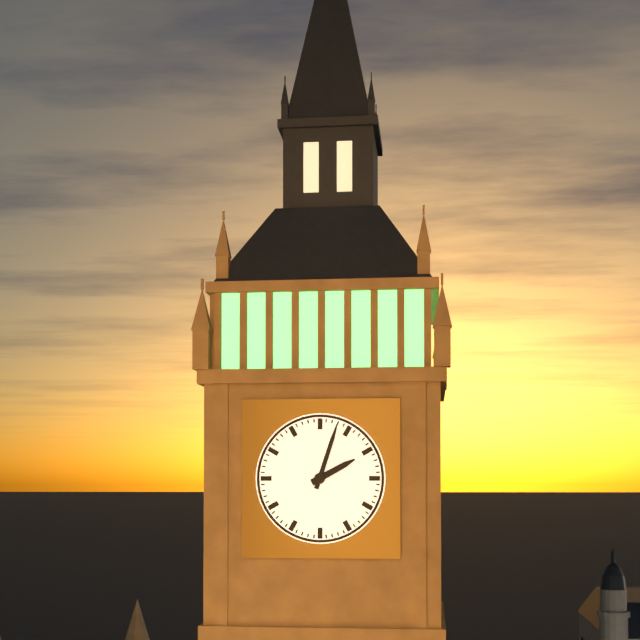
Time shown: 2:03
